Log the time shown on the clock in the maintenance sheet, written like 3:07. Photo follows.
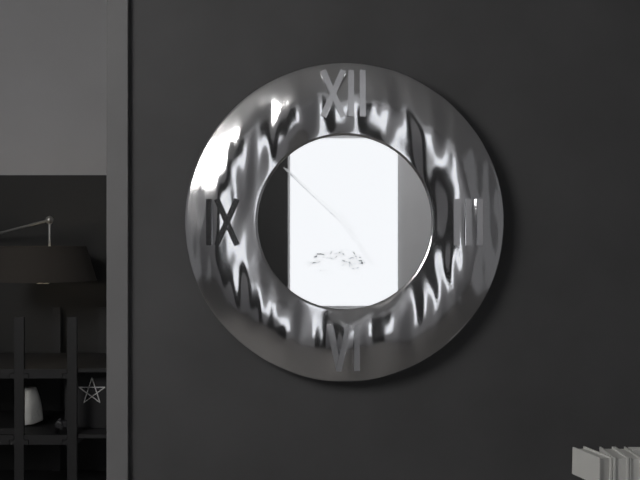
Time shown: 4:52
